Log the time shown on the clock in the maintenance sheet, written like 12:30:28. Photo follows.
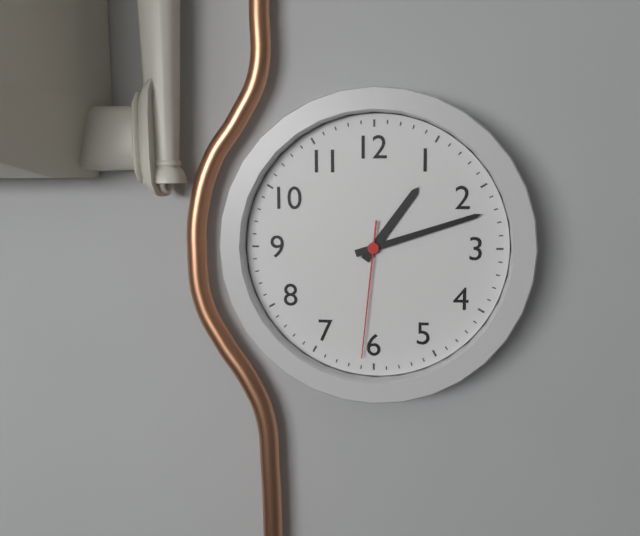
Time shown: 1:12:31
